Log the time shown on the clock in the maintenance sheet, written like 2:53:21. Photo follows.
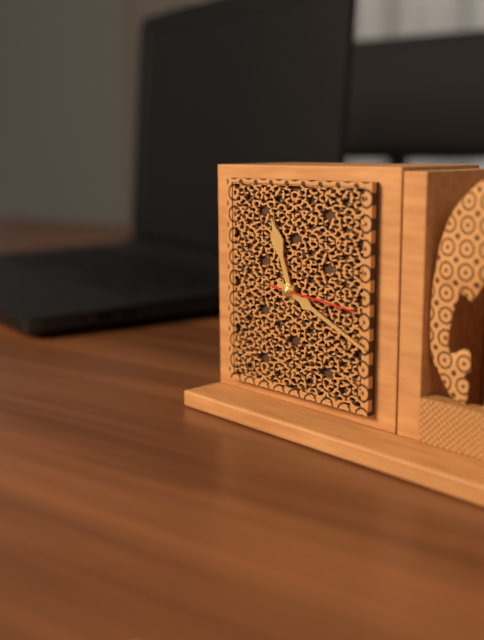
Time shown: 11:19:16
